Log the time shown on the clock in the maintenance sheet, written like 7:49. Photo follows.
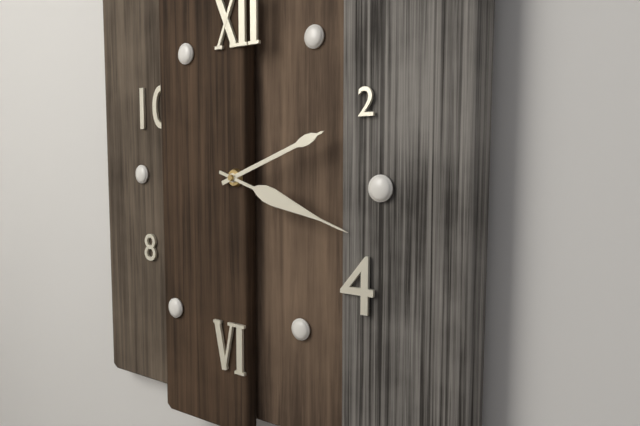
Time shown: 2:18
